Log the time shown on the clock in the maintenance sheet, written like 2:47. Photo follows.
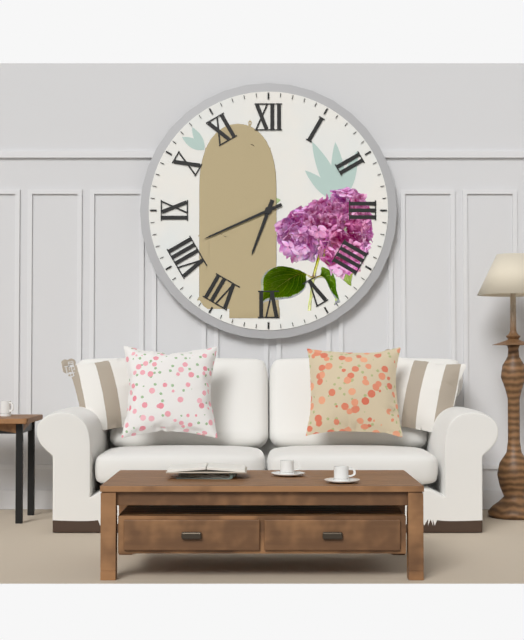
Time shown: 6:41
